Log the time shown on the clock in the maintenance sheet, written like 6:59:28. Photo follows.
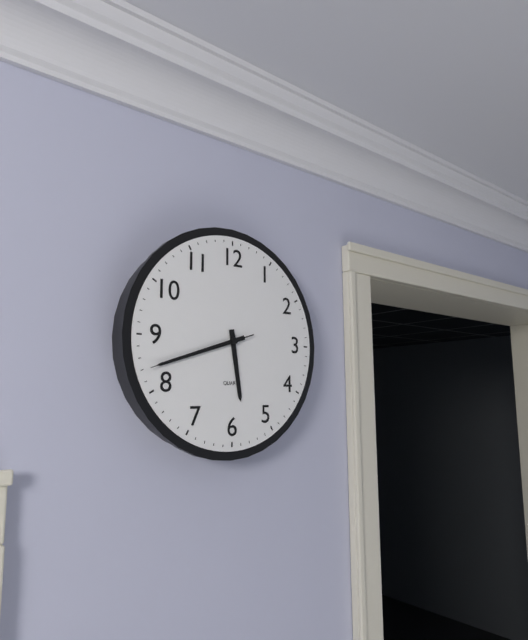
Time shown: 5:42:42
